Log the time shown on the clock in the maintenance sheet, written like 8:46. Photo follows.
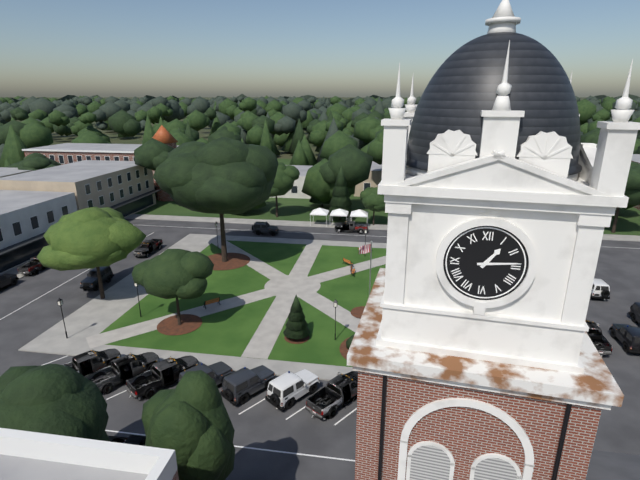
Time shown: 1:14
